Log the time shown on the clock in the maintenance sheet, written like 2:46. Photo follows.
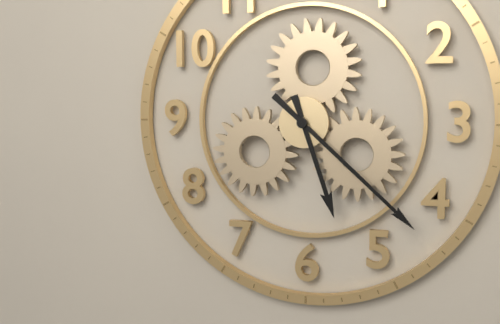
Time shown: 5:22
